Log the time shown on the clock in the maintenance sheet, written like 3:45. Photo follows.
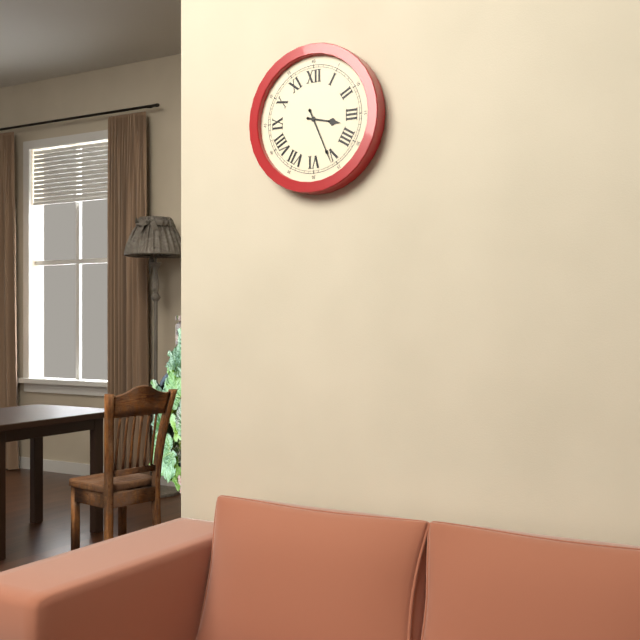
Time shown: 3:26
